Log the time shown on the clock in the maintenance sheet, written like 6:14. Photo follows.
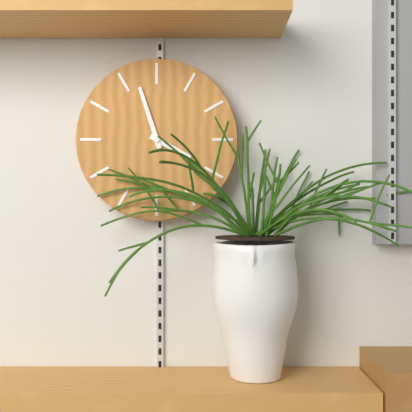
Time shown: 3:57
